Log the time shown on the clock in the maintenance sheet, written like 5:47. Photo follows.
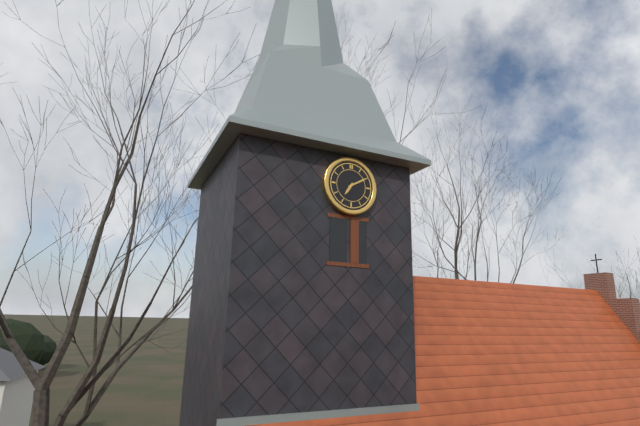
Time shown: 7:10
